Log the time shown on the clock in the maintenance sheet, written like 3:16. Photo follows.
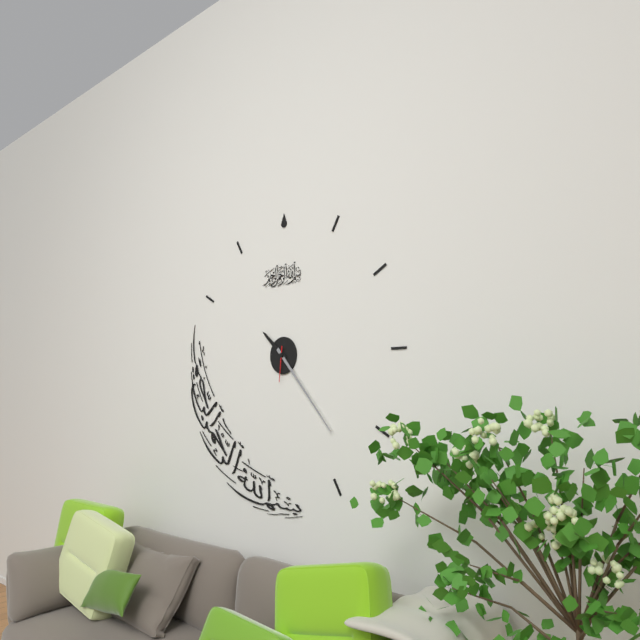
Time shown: 10:23
